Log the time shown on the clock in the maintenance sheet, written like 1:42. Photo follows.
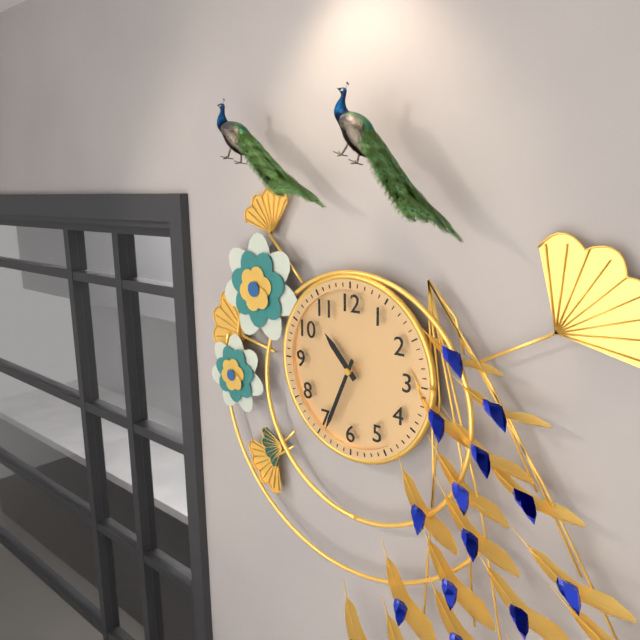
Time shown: 10:34
